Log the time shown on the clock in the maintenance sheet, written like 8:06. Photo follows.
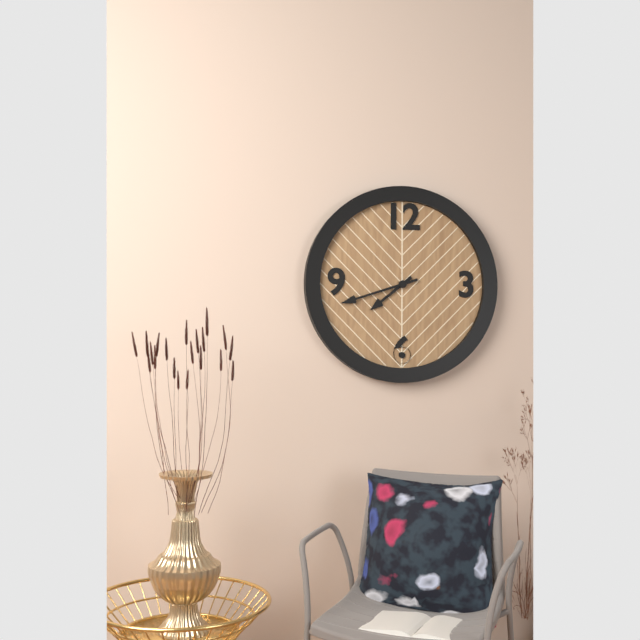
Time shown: 7:42
